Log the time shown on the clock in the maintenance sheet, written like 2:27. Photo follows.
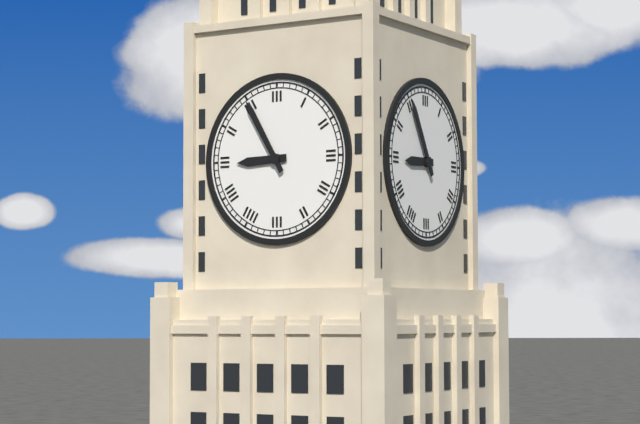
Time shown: 8:55
